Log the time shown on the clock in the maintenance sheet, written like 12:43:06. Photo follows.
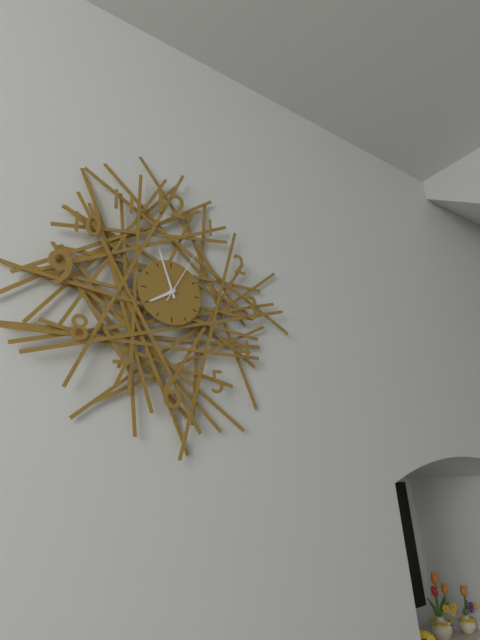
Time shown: 7:57:05
